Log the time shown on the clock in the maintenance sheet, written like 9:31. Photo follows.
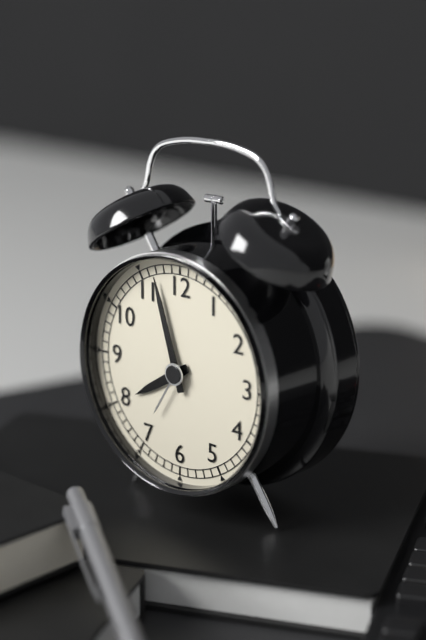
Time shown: 7:57
